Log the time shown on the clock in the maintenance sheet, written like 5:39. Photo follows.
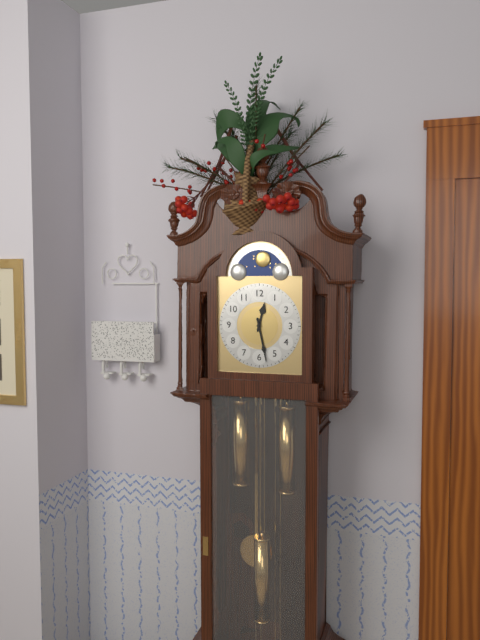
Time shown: 12:28
